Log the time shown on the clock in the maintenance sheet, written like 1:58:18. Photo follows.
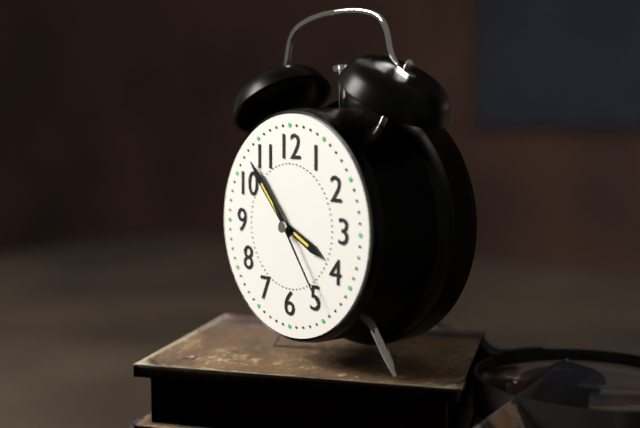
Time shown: 3:53:24
